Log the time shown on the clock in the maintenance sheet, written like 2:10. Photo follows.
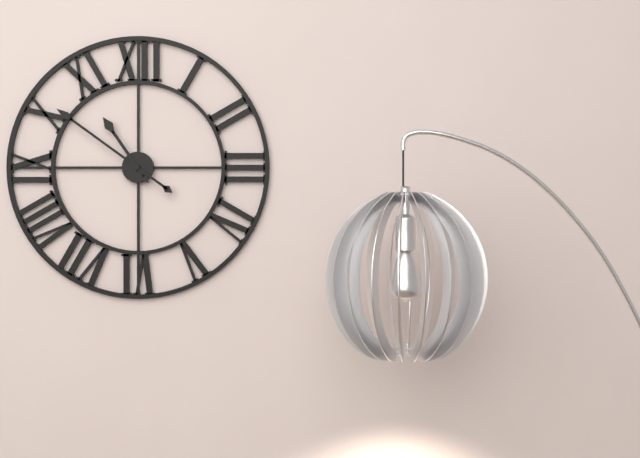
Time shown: 10:51
